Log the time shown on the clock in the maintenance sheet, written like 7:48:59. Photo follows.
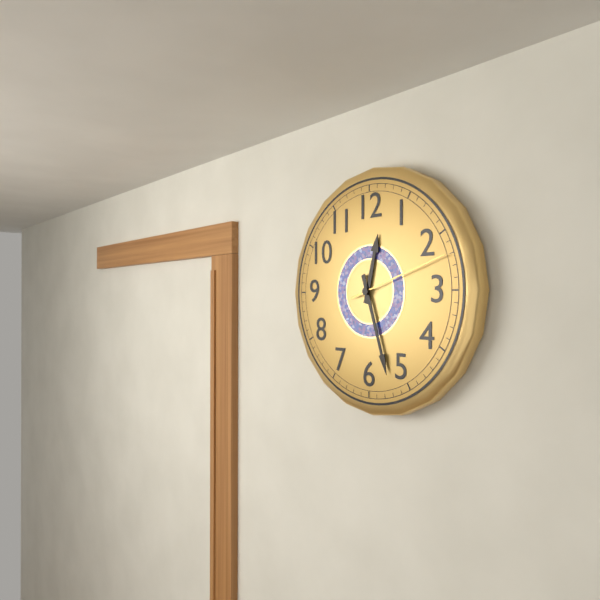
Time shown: 12:27:12
